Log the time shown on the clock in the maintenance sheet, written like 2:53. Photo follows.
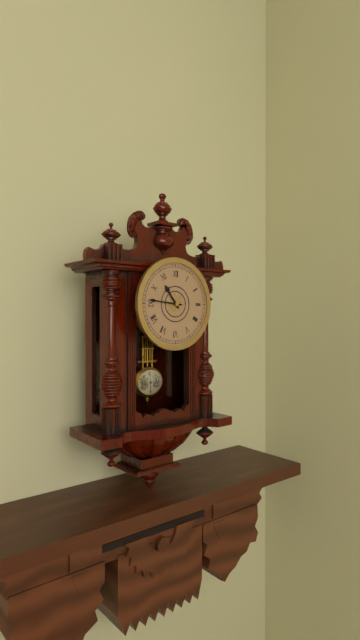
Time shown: 10:46
